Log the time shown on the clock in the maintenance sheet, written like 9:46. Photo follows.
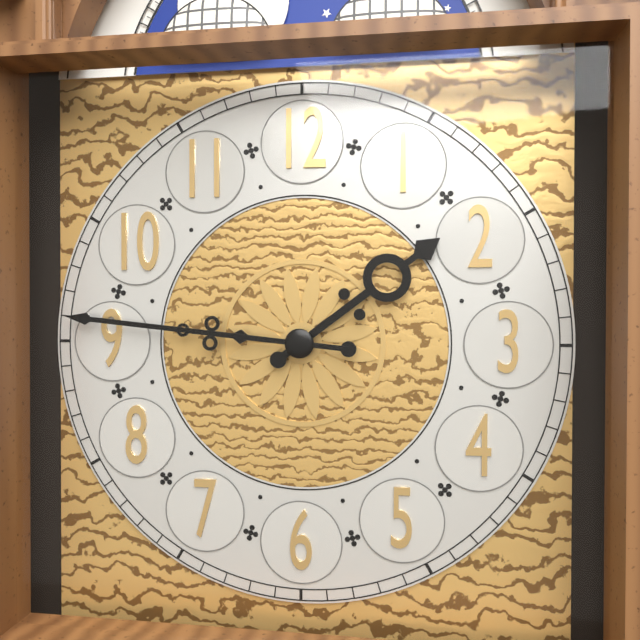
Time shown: 1:46
